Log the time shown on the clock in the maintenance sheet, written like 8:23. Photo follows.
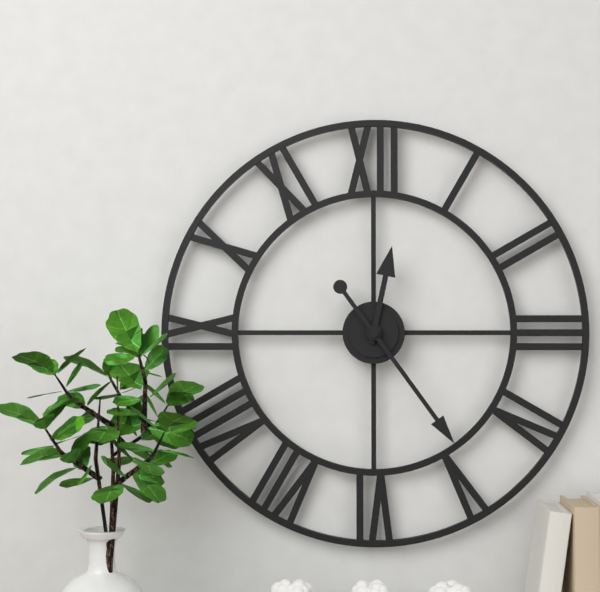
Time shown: 12:24
